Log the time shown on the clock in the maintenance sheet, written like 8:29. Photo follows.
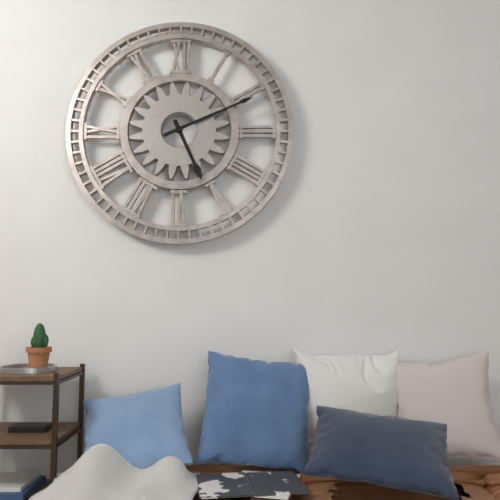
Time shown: 5:11
